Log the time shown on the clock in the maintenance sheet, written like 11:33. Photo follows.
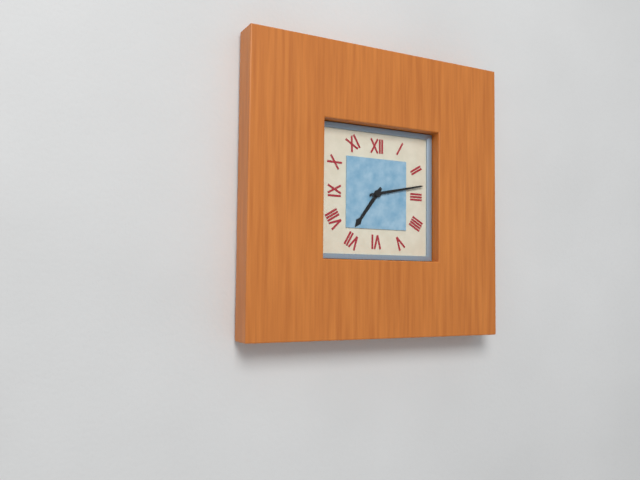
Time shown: 7:13
